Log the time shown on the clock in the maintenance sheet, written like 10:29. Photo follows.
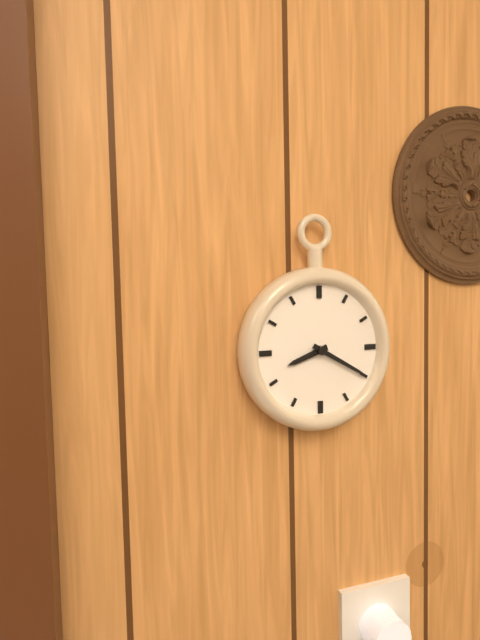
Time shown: 8:20
